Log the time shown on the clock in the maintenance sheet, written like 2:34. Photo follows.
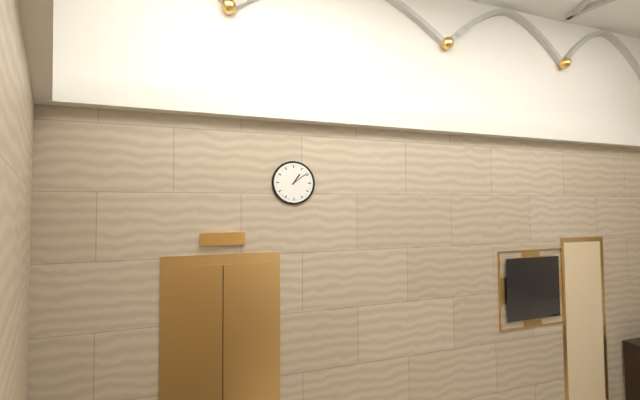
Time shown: 1:09
